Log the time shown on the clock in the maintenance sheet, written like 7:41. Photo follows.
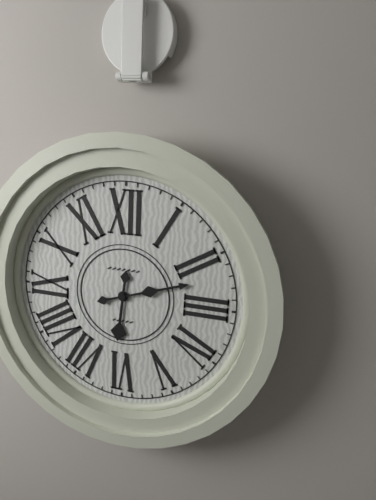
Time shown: 6:12
